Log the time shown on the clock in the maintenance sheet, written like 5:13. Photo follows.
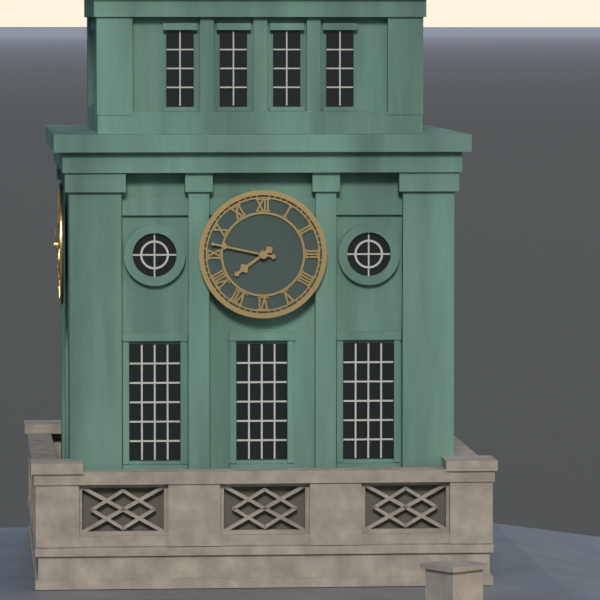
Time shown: 7:47
